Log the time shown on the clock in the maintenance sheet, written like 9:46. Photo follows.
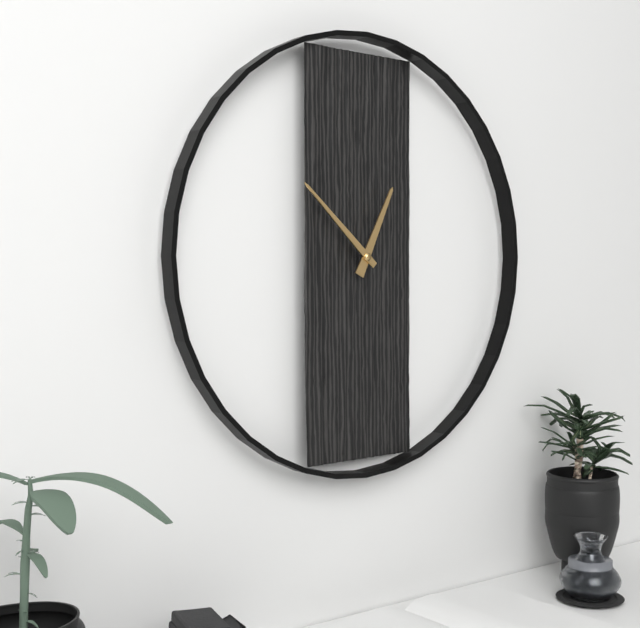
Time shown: 12:52
